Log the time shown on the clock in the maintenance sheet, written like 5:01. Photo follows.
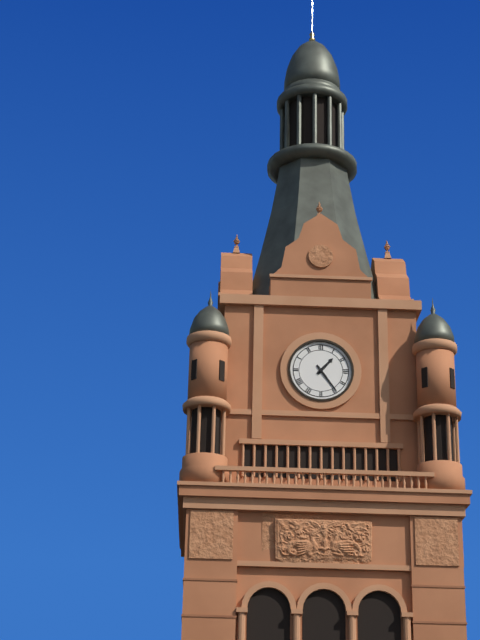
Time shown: 1:24
